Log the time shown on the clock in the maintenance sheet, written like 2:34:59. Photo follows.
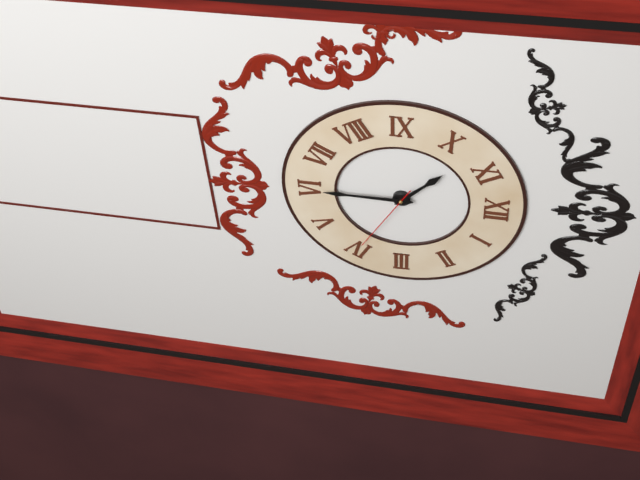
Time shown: 10:30:20
